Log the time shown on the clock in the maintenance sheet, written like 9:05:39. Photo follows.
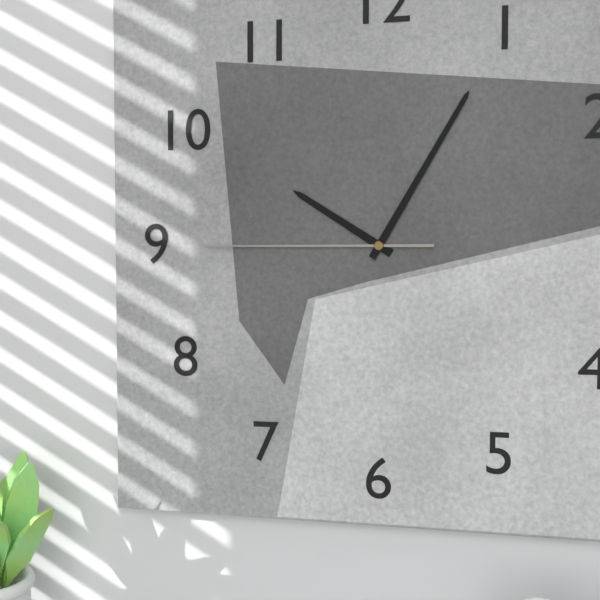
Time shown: 10:05:45
